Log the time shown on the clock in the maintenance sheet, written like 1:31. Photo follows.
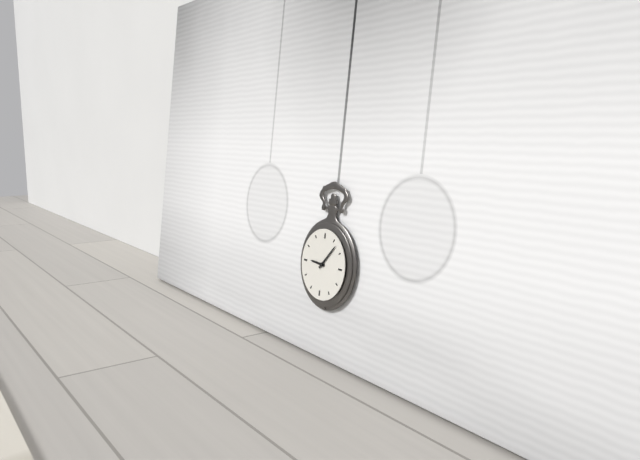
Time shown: 9:07
